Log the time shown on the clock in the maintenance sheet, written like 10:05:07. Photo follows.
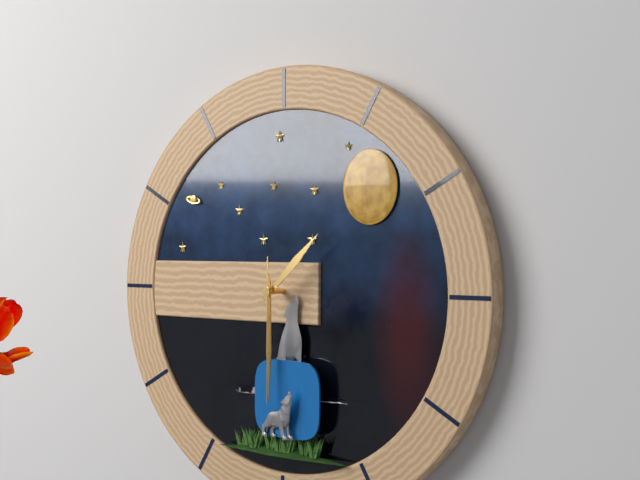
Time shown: 1:30:30
